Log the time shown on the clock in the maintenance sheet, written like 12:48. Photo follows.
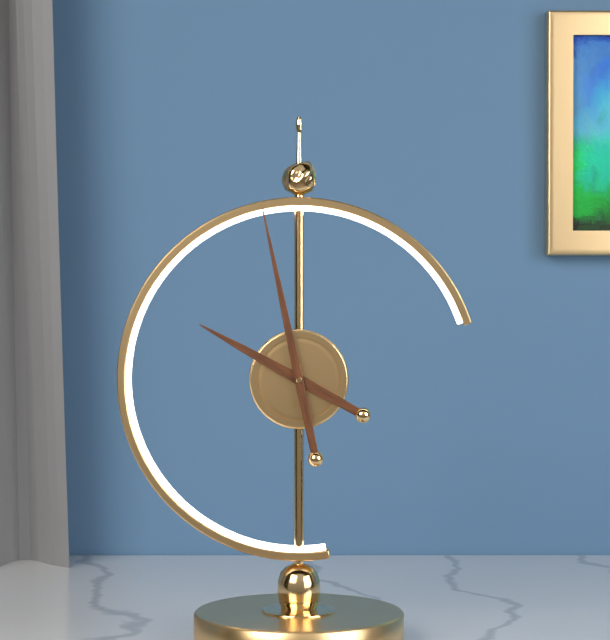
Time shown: 9:58
